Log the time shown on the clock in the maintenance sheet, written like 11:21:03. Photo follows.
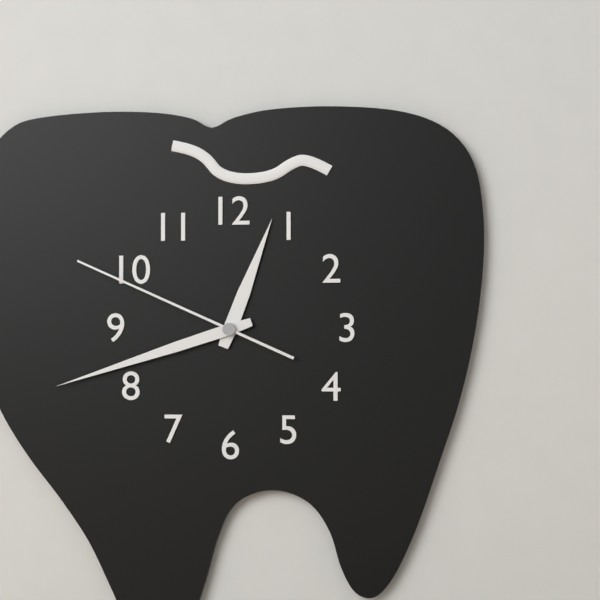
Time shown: 12:42:49
